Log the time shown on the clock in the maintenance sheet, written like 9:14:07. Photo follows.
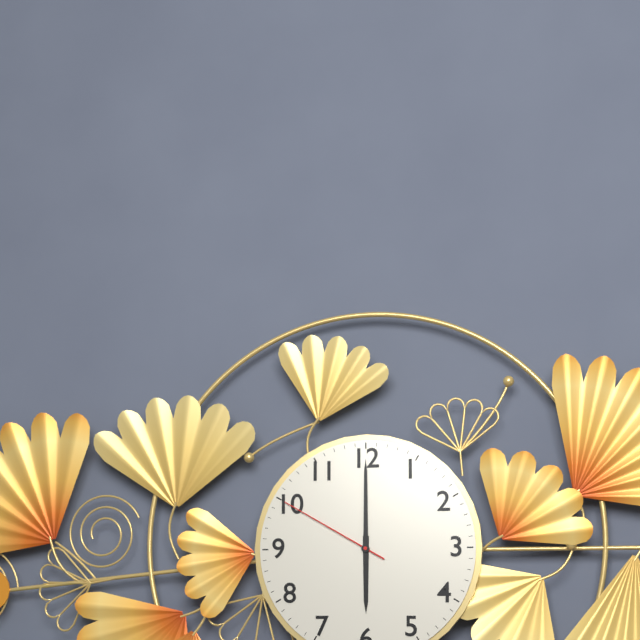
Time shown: 6:00:50
